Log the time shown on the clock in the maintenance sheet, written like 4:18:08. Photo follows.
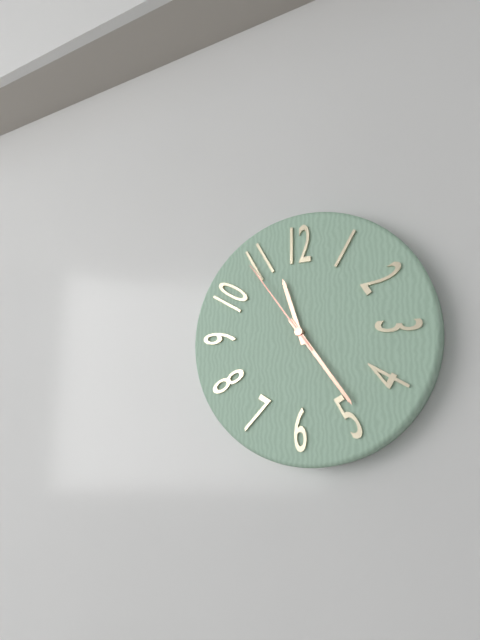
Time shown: 11:24:54
